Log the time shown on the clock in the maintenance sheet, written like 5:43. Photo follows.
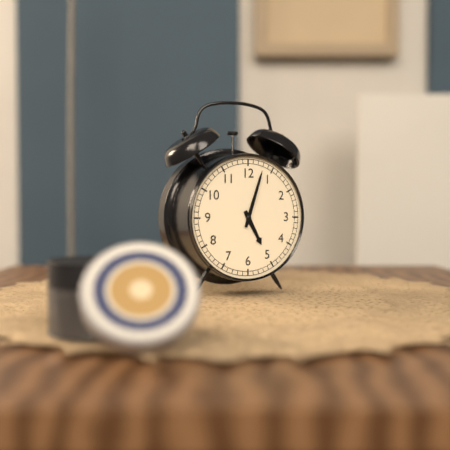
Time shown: 5:03
